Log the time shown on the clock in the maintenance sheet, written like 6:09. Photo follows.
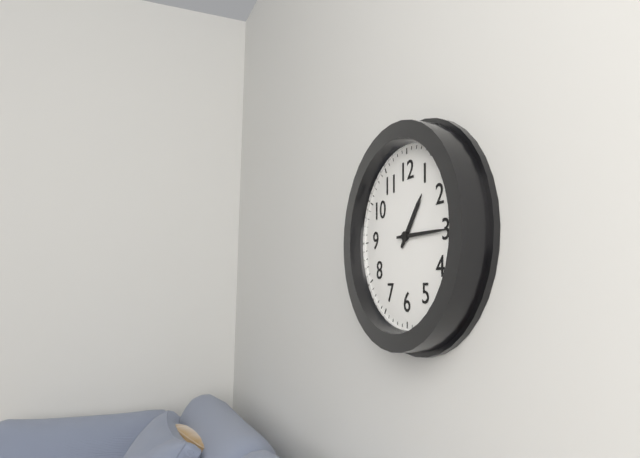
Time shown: 1:15
